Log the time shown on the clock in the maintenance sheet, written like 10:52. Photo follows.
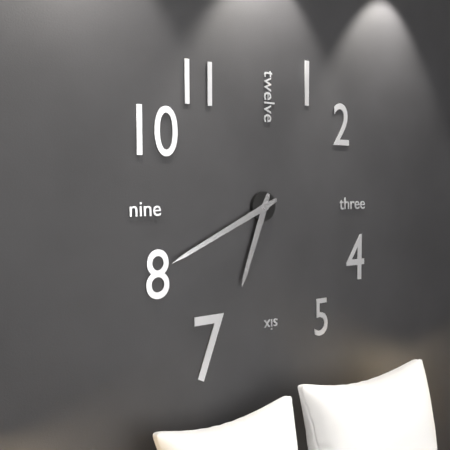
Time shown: 6:41
